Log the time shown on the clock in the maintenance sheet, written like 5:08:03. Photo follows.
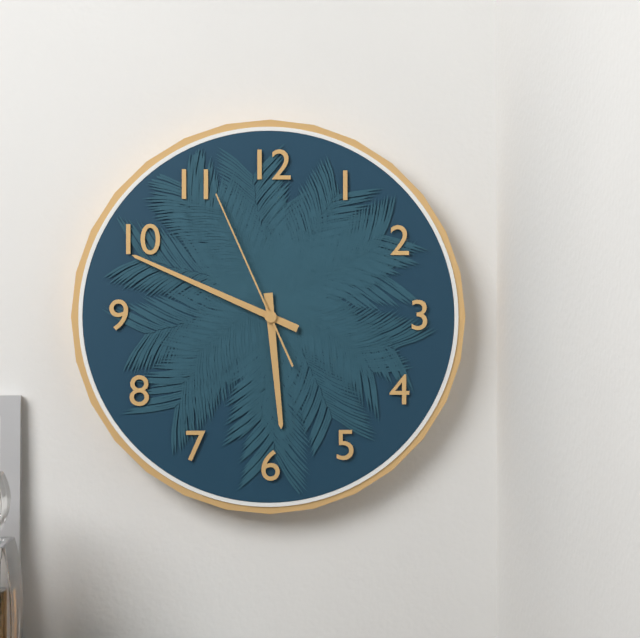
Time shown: 5:49:56
